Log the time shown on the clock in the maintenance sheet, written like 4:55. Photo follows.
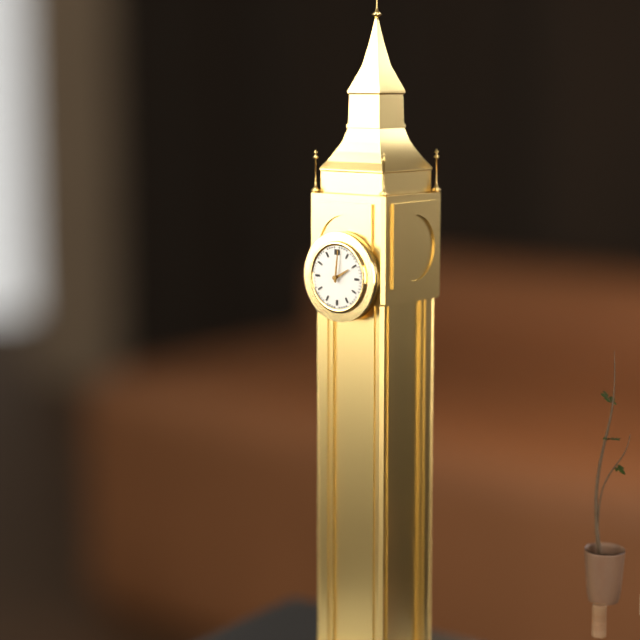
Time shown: 2:01
